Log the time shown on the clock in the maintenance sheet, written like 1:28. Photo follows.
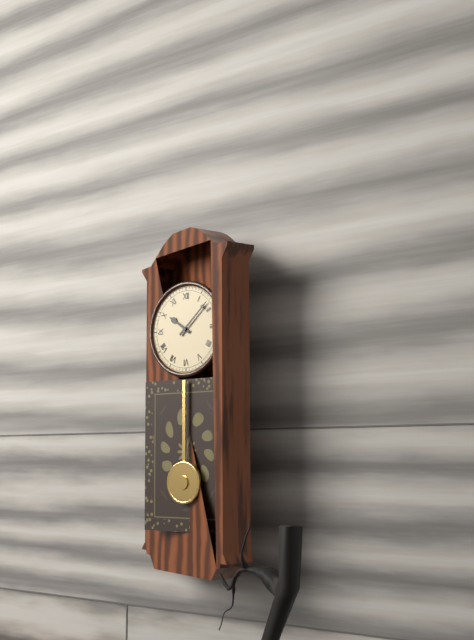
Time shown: 10:08
